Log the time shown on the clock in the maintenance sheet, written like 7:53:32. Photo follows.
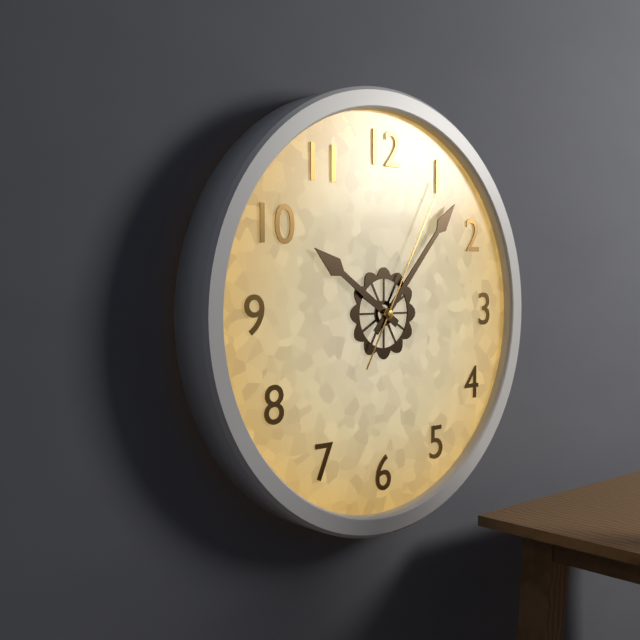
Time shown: 10:07:05
